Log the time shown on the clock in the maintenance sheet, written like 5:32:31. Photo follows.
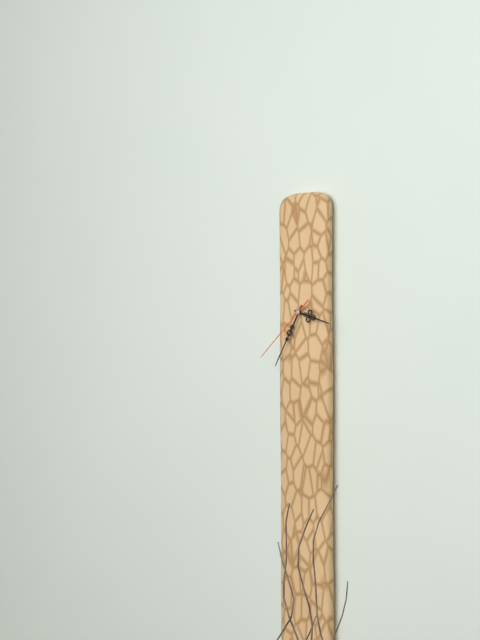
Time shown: 3:35:38
